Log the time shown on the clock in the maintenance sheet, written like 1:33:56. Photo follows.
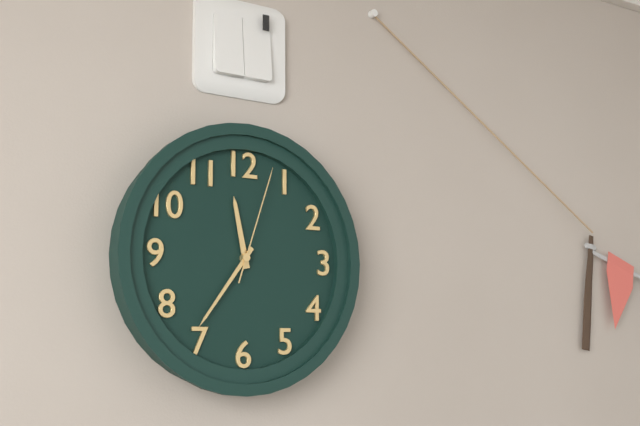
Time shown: 11:36:03
